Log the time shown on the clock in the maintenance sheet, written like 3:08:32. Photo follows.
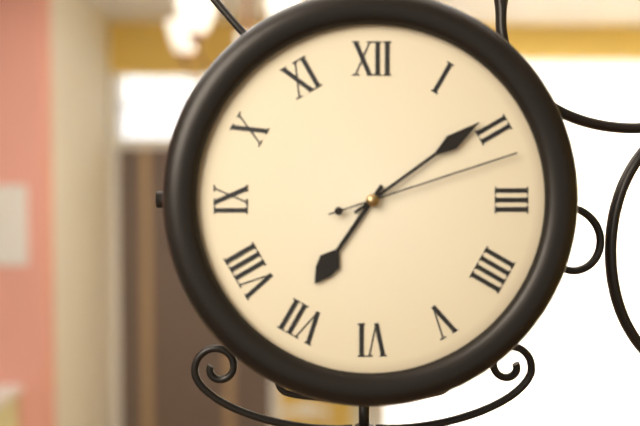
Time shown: 7:09:12
